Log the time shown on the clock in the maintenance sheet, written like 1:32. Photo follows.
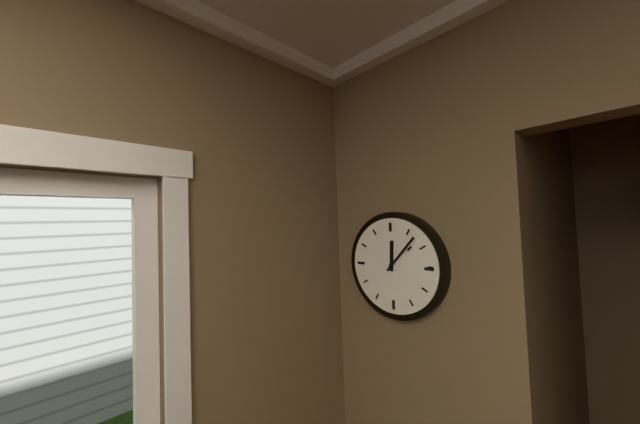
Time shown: 12:07
